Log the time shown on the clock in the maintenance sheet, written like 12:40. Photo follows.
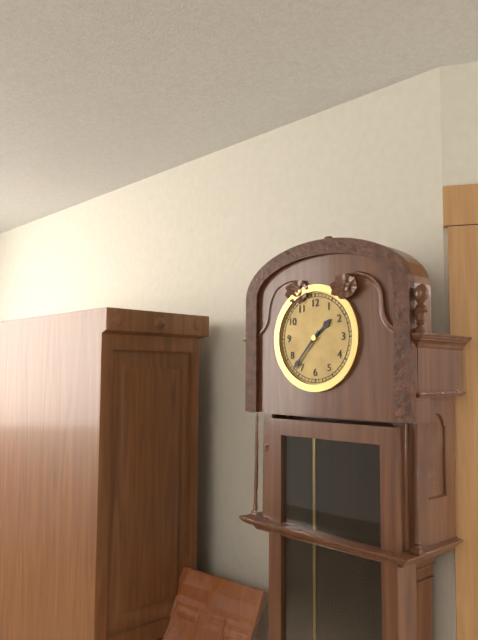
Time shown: 1:37
